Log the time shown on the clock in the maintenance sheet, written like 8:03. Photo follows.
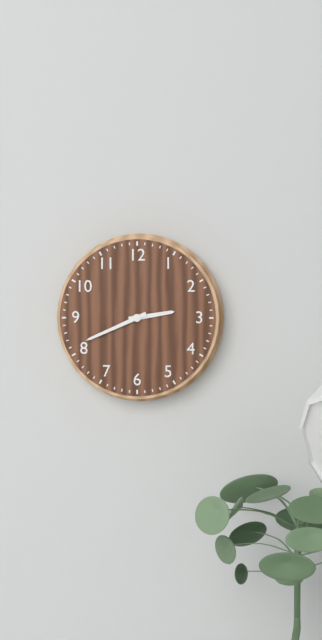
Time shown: 2:41
